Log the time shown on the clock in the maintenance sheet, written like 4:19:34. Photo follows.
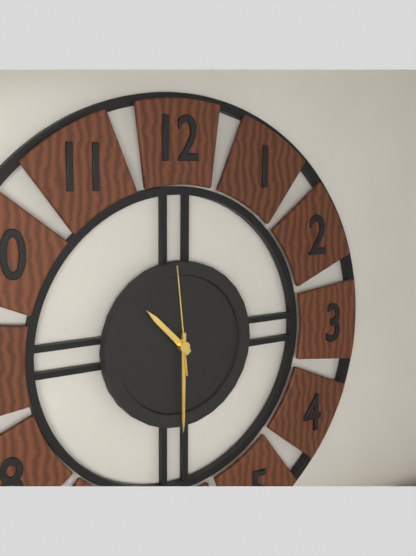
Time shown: 10:30:59
